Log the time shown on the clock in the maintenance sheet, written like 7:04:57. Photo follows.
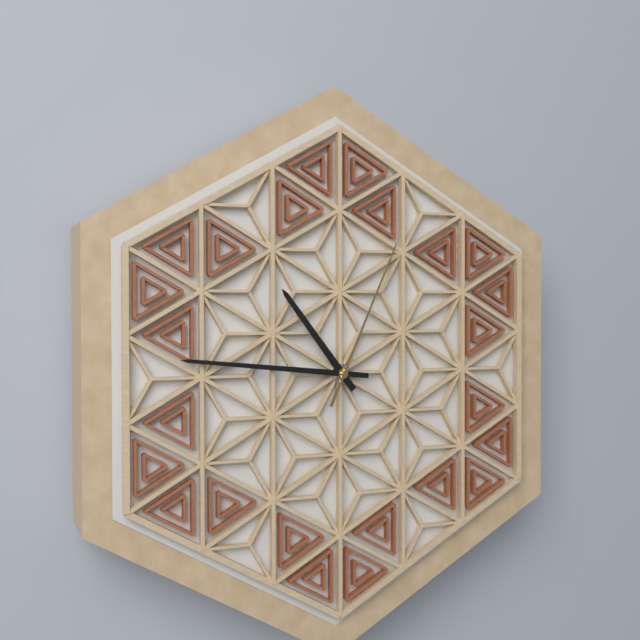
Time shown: 10:46:04
